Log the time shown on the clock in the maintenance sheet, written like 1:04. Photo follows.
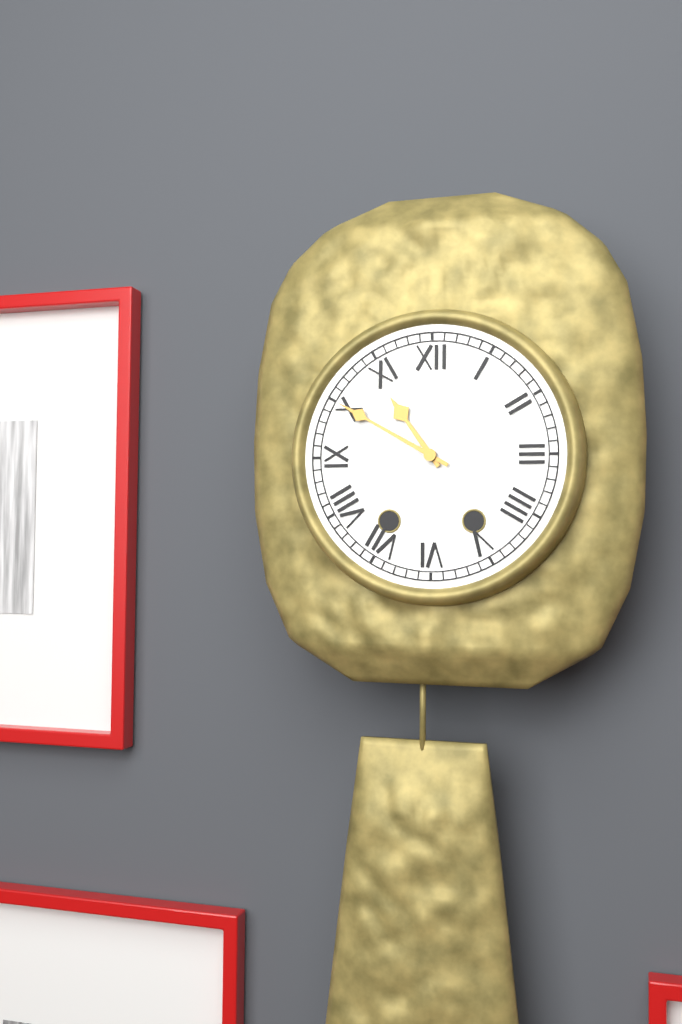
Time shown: 10:50
